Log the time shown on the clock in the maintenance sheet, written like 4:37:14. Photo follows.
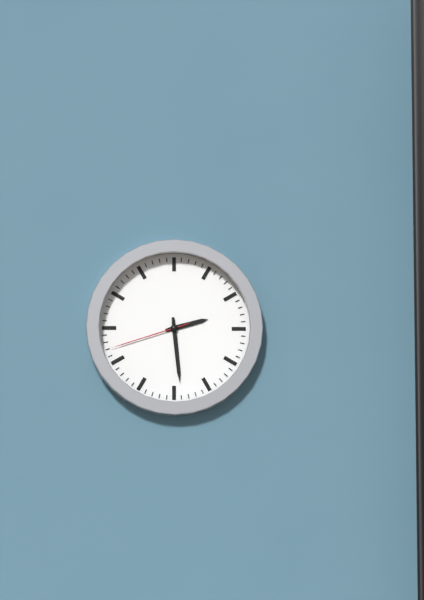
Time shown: 2:29:42
